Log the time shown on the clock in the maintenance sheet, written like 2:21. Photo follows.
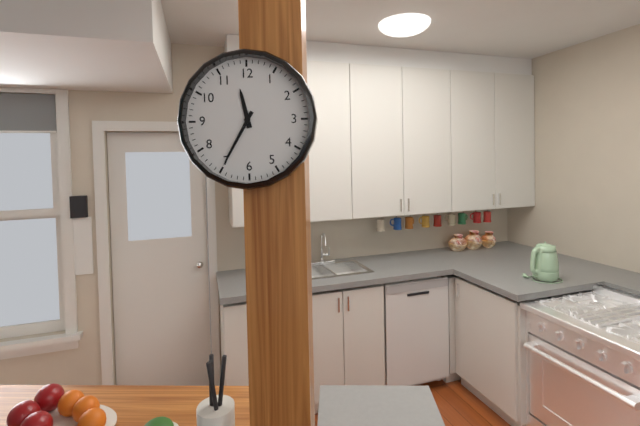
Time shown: 11:35
